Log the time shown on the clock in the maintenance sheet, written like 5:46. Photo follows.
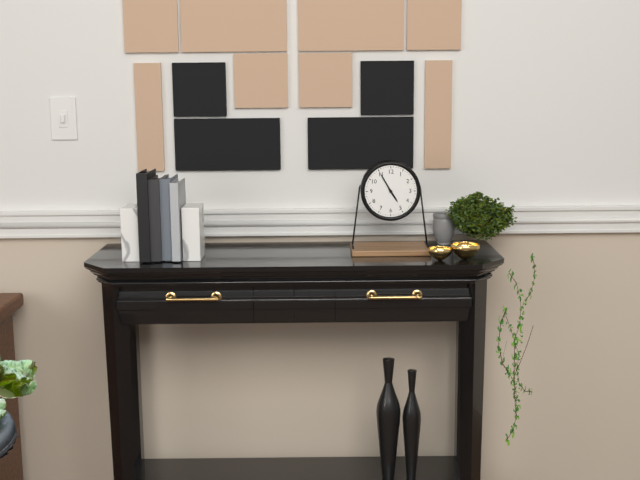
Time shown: 4:55
